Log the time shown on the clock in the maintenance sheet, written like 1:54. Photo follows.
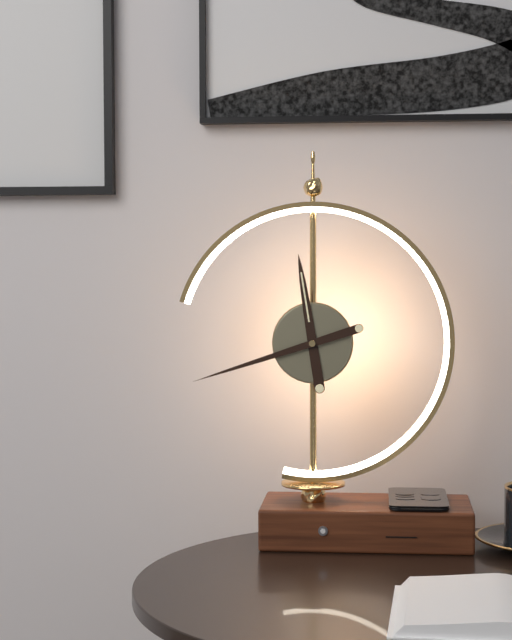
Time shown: 11:42
